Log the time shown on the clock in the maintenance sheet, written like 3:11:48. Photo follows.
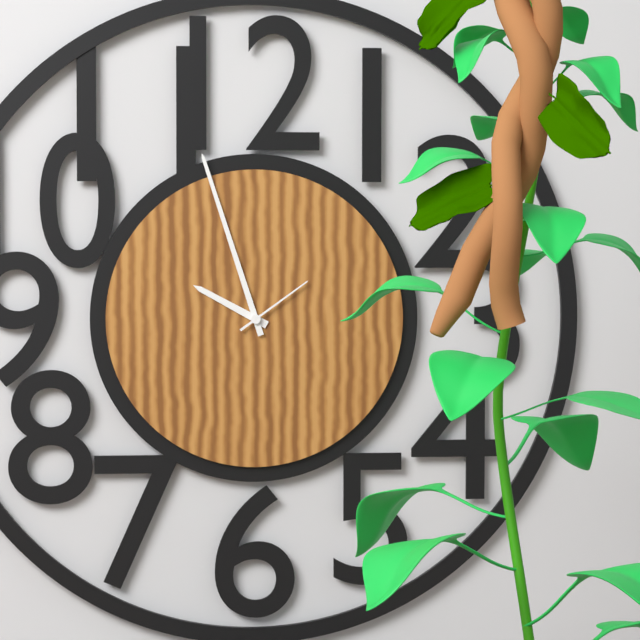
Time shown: 9:57:09
